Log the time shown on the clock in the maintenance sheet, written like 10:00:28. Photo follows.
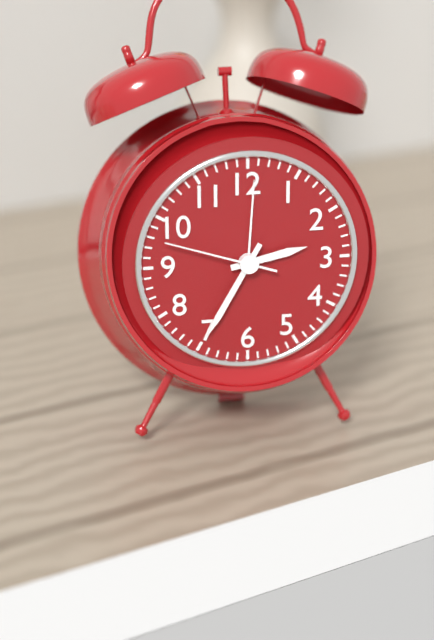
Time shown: 2:35:48
